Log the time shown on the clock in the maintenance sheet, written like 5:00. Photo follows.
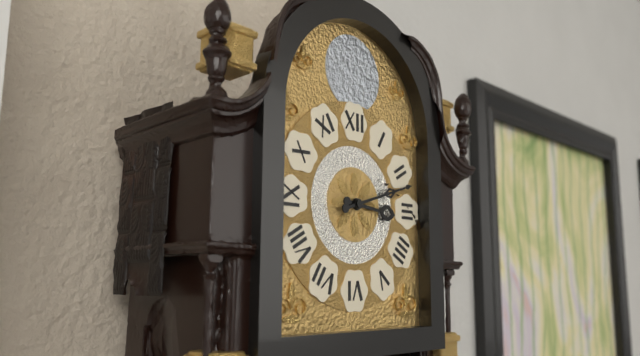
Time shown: 3:12
